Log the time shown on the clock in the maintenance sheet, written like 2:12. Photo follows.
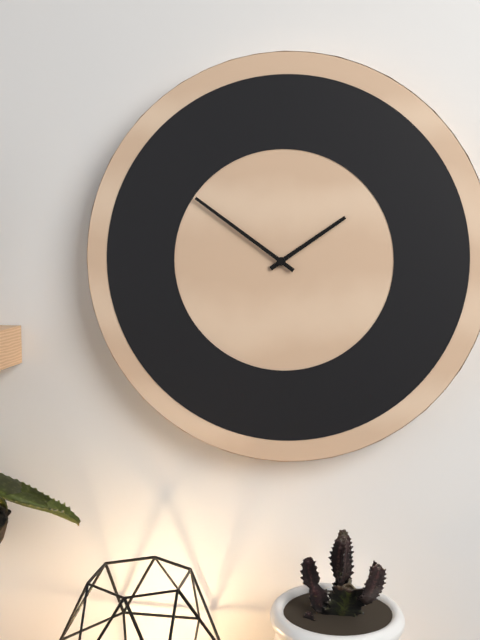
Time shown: 1:51
